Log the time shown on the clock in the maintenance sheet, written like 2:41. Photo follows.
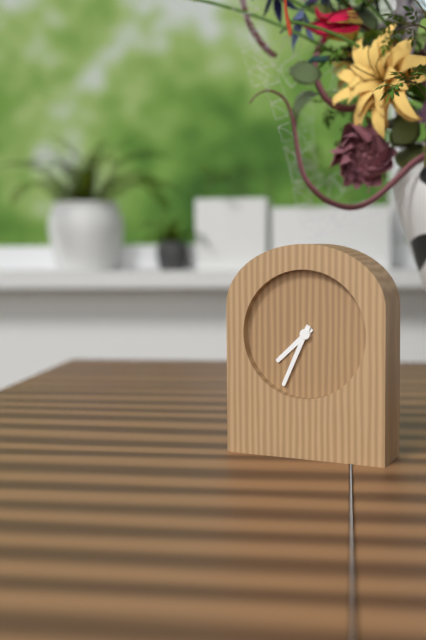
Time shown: 7:34
